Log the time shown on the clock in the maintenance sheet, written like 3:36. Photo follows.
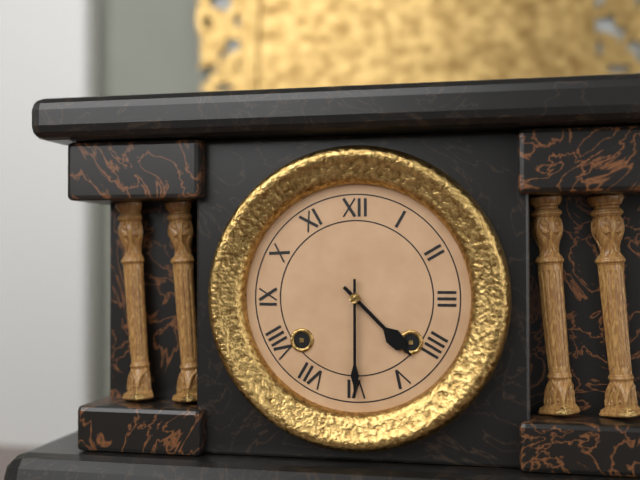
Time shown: 4:30
